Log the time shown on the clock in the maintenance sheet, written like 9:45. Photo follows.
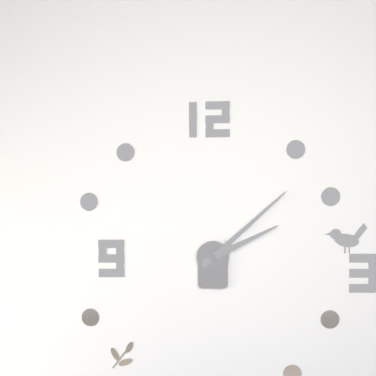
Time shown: 2:08
